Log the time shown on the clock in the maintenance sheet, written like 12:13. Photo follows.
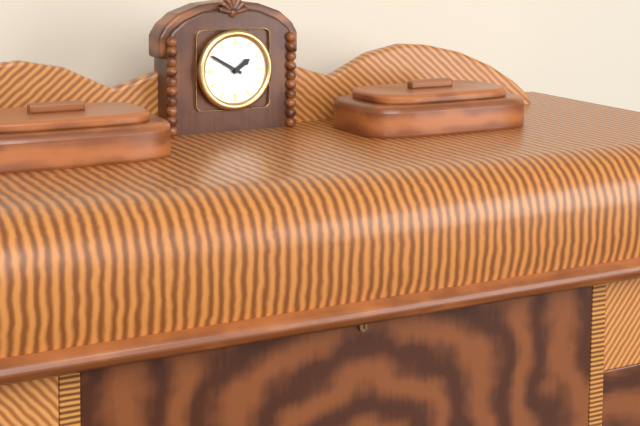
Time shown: 1:50
